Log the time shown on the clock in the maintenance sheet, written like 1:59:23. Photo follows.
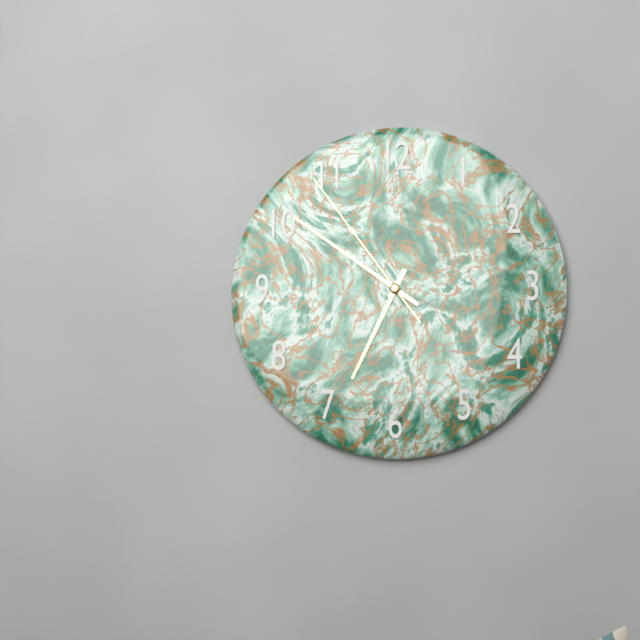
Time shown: 6:51:54
